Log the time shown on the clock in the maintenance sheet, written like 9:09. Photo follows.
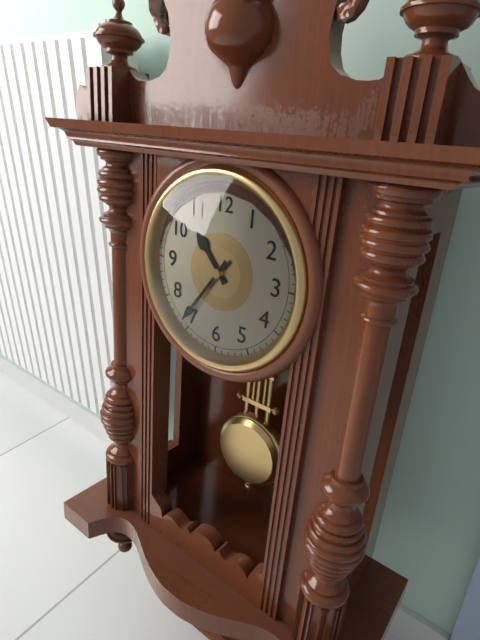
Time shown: 10:36
